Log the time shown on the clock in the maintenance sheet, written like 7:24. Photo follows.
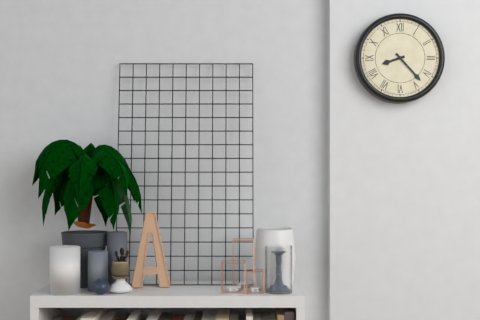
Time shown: 8:23
